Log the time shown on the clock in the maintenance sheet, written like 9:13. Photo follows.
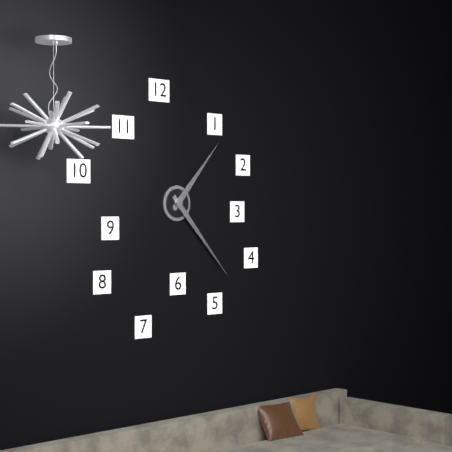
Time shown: 1:23
